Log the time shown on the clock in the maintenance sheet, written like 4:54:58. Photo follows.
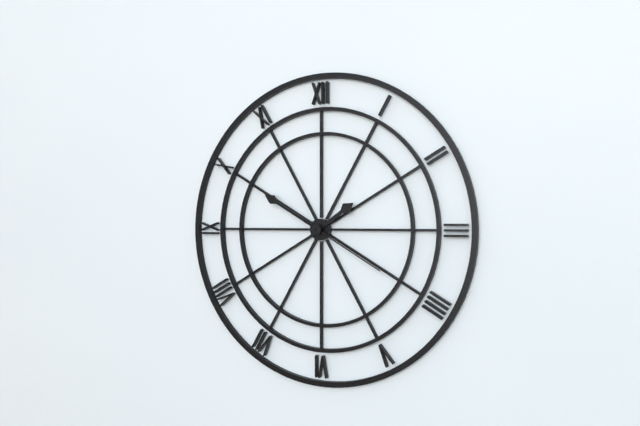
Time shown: 1:50:20
